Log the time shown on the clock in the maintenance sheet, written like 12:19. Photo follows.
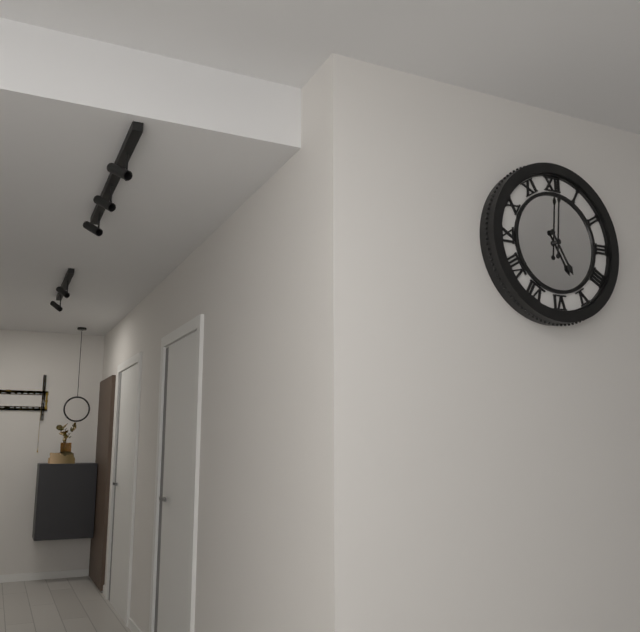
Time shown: 5:01
